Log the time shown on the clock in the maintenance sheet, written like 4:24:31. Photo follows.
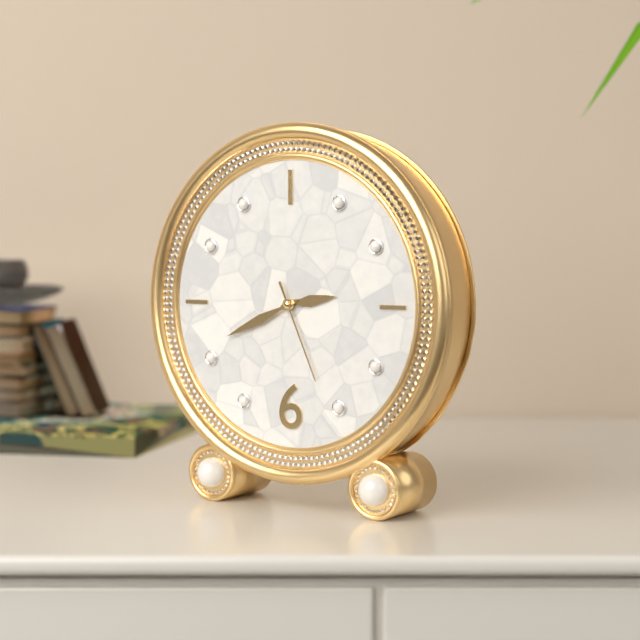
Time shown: 2:41:26
